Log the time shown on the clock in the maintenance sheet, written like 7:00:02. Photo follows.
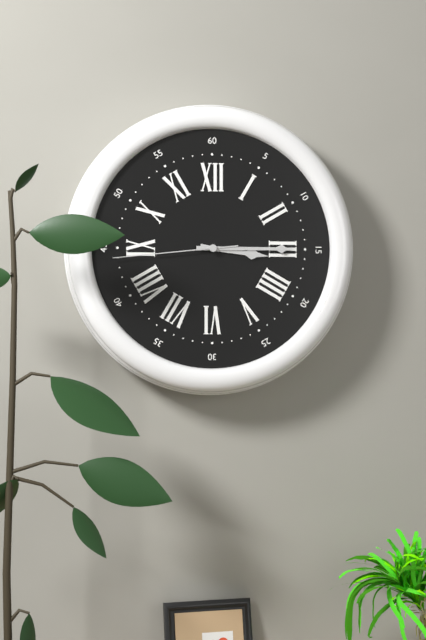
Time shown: 3:15:44
